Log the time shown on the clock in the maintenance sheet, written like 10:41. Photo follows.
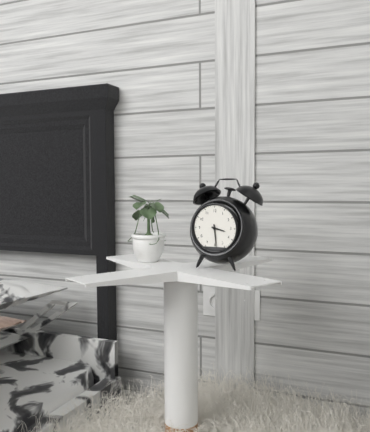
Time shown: 3:29
